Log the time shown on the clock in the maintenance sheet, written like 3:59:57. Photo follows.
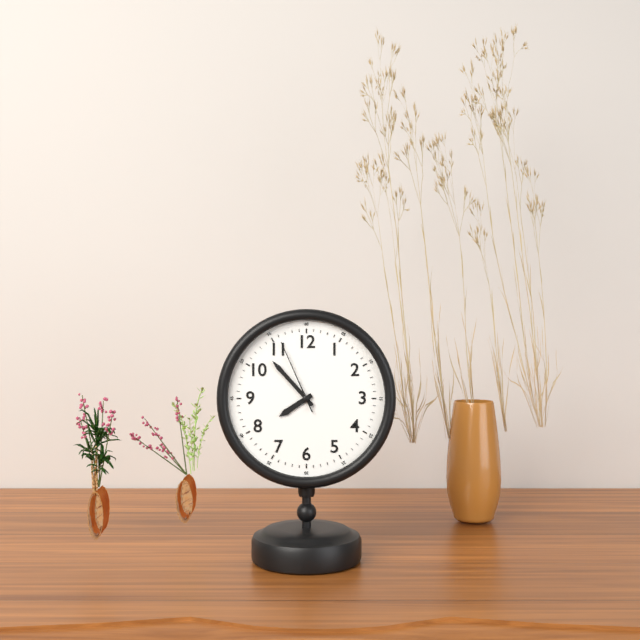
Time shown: 7:53:56
